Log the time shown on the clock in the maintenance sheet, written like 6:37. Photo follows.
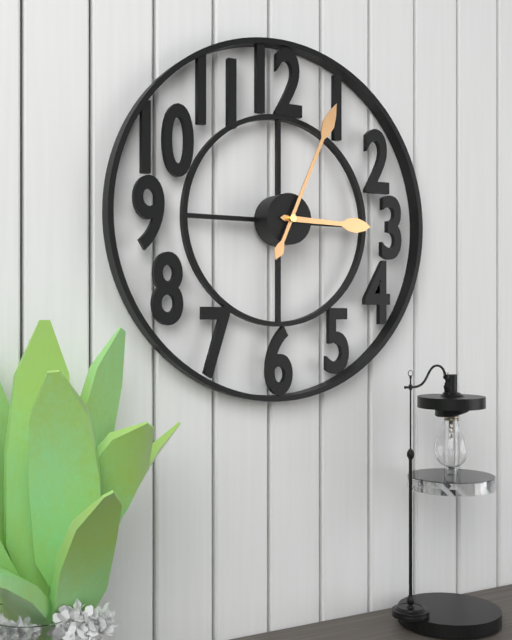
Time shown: 3:04
